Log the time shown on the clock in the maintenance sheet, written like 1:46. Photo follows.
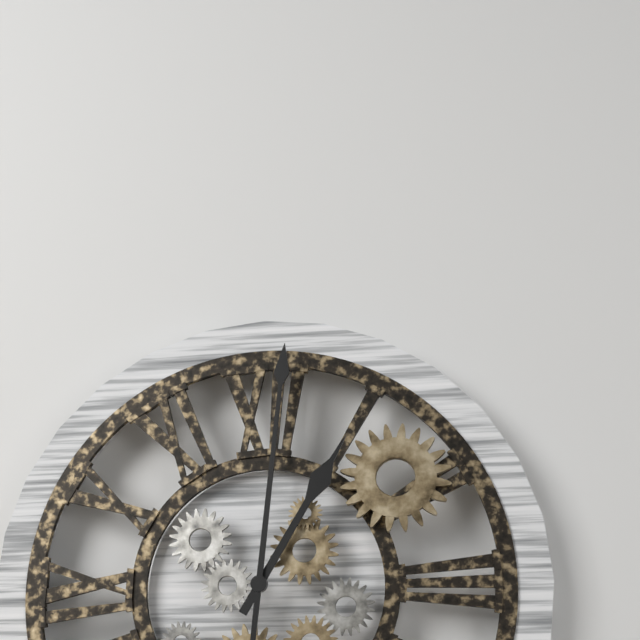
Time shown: 1:01
